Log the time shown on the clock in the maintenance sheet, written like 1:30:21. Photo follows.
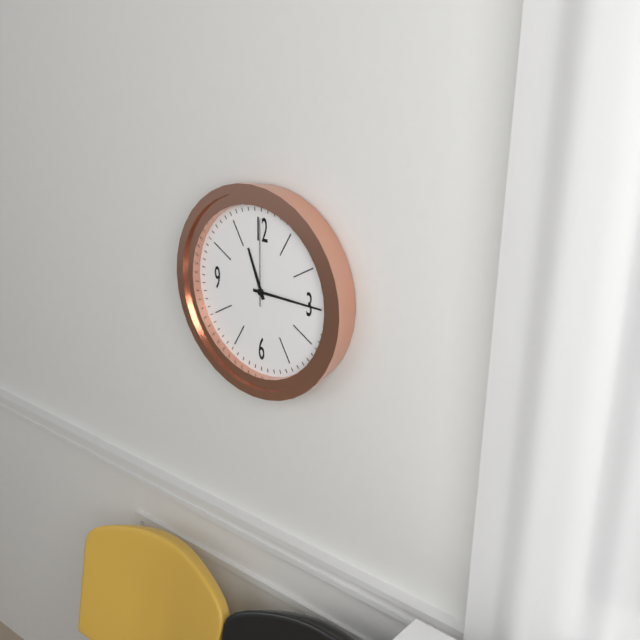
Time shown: 11:15:00
